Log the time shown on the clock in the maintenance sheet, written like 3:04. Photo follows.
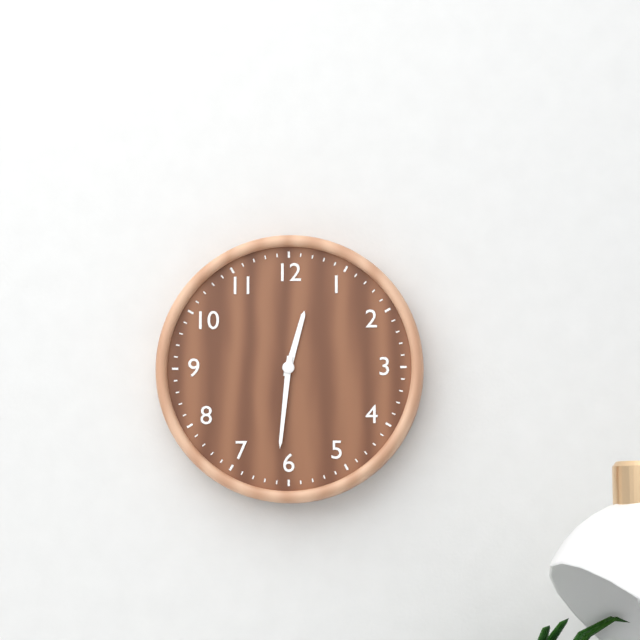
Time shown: 12:31
